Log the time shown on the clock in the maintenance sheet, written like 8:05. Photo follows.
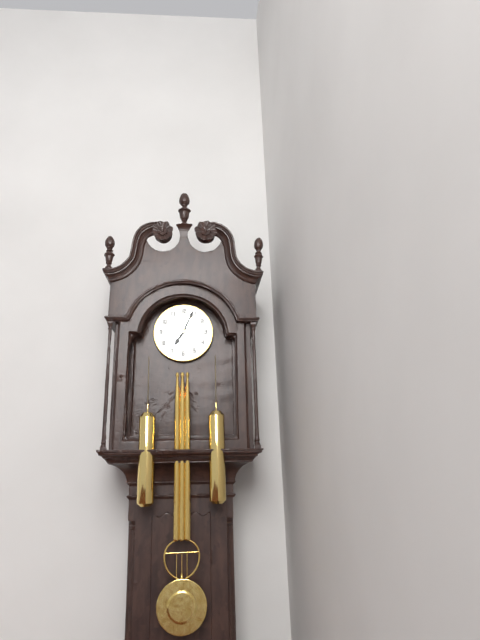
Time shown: 7:04
